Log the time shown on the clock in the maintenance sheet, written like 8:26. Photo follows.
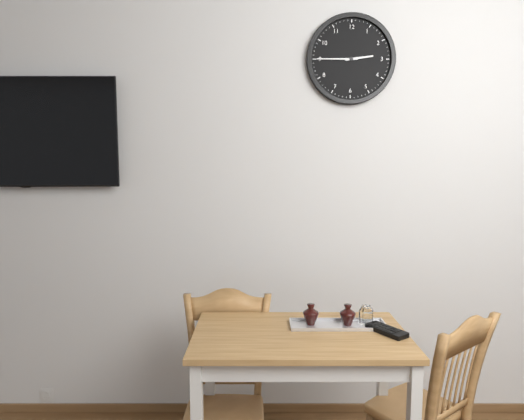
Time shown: 2:45
